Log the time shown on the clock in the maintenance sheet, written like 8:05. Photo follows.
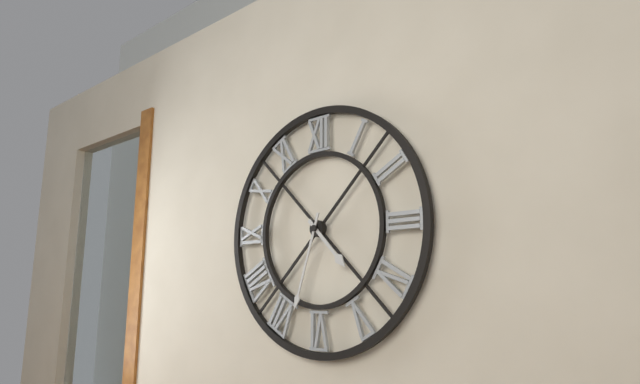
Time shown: 4:33
